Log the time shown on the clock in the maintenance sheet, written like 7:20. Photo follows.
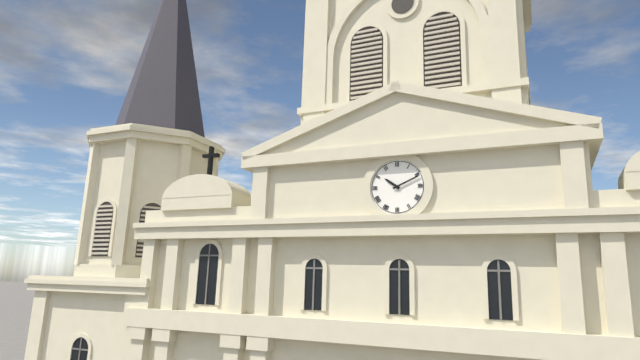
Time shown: 10:11
